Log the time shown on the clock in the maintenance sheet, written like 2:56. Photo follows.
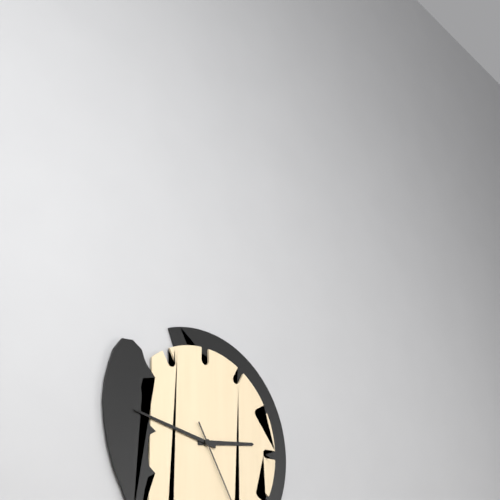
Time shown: 2:47
